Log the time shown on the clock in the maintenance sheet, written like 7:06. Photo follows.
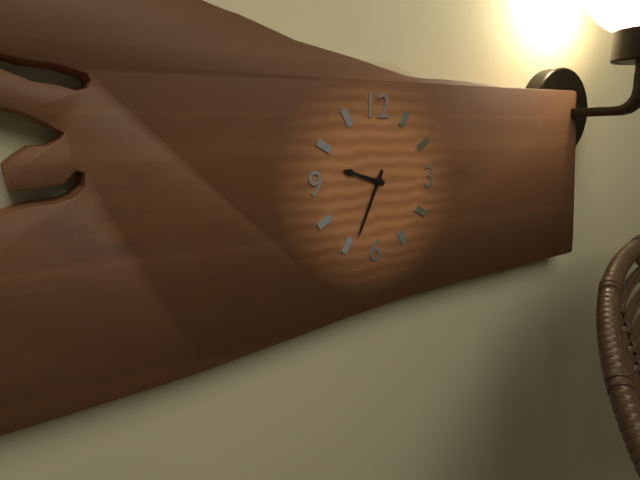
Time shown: 9:34
